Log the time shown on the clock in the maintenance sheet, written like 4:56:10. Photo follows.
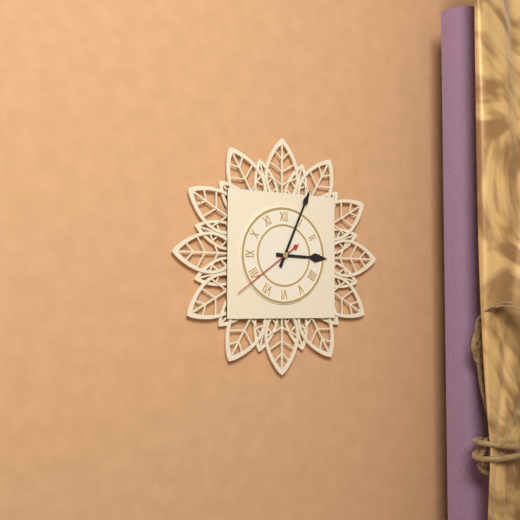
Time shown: 3:04:39
